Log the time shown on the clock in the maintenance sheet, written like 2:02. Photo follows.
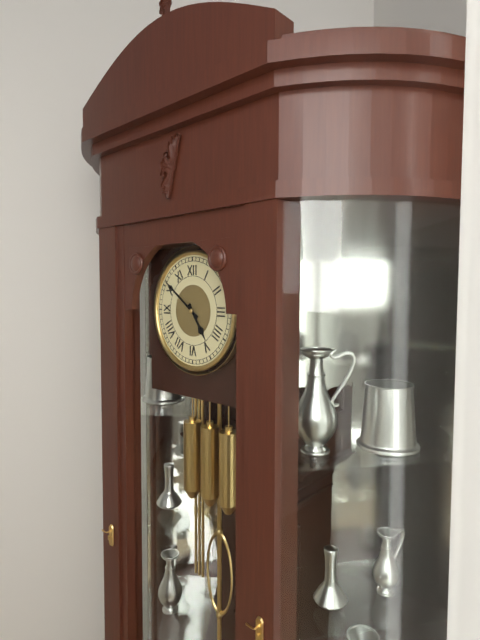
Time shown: 4:51
